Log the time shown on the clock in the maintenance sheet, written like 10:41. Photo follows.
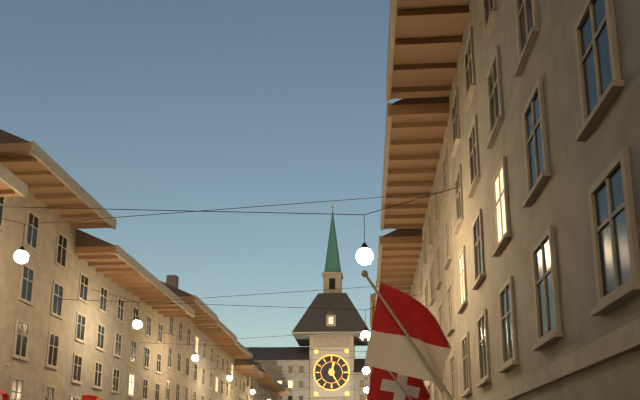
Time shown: 12:25
